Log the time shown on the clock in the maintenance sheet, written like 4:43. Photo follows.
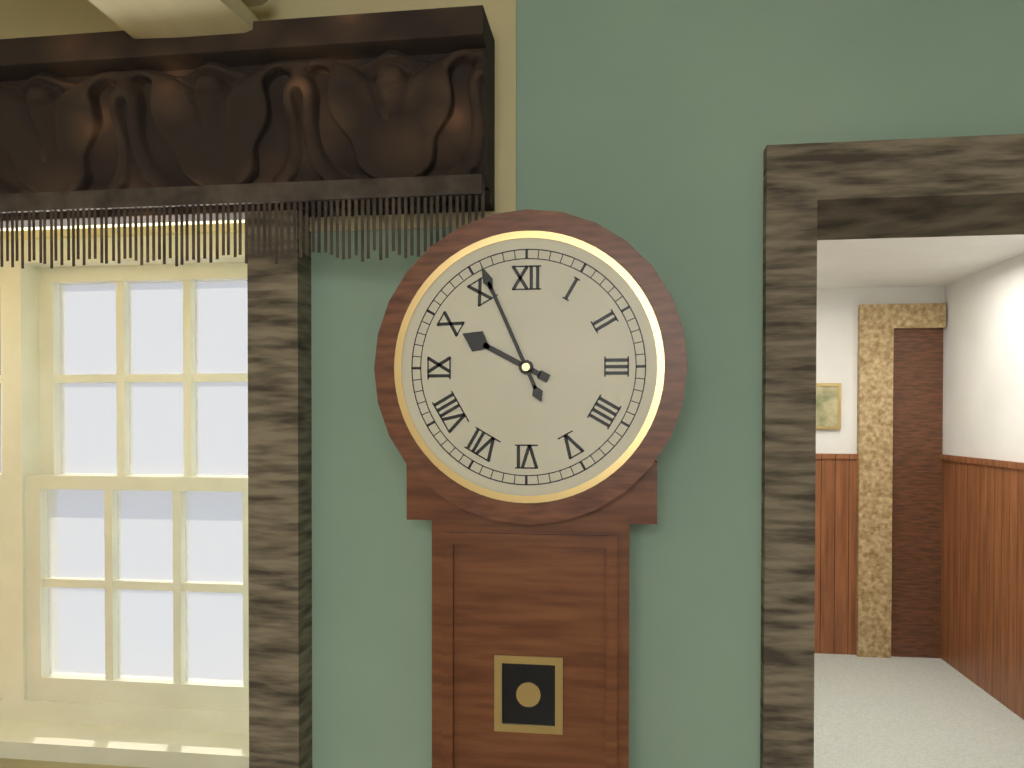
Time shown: 9:56
